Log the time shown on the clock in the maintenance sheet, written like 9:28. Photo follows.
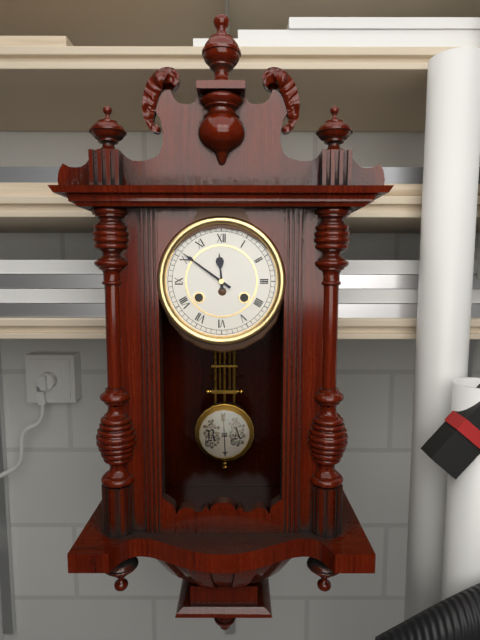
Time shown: 11:51
